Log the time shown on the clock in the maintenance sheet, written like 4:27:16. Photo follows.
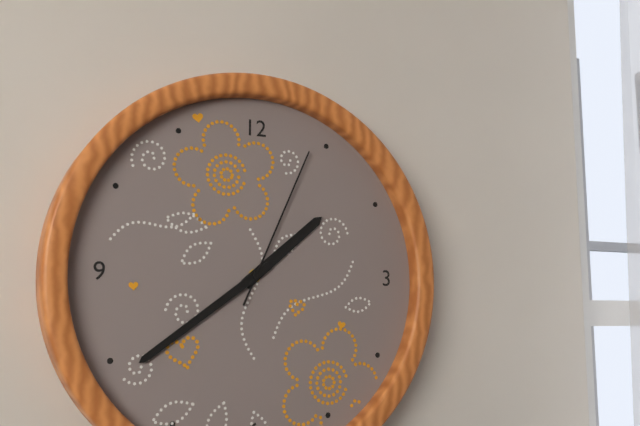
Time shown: 1:39:04
